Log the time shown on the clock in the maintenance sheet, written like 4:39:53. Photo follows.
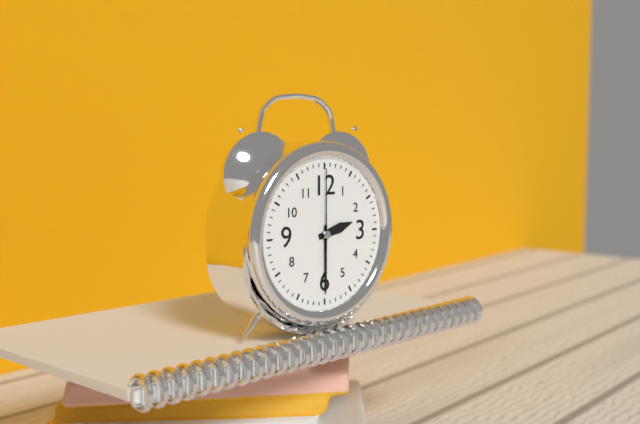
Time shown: 2:30:00
